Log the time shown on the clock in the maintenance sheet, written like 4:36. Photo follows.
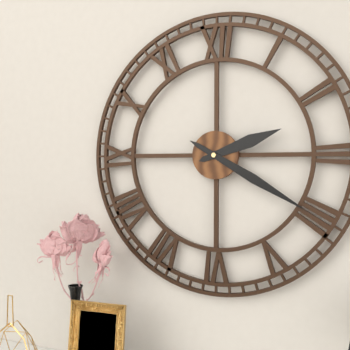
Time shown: 2:20
